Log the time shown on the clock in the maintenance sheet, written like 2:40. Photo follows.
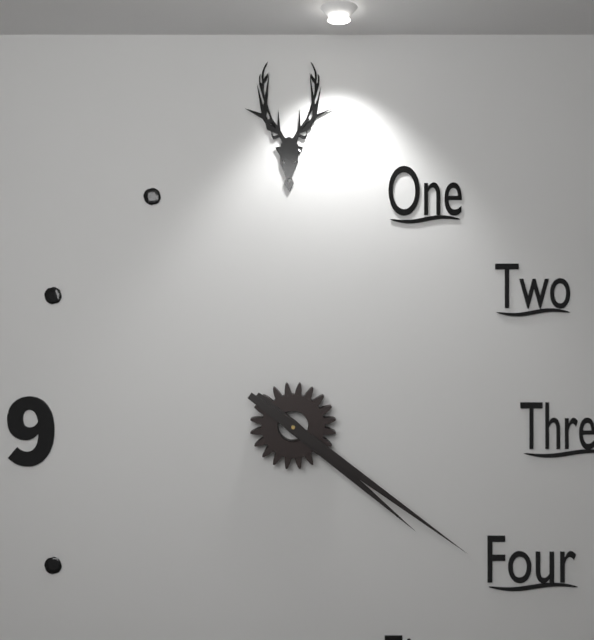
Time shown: 4:21
